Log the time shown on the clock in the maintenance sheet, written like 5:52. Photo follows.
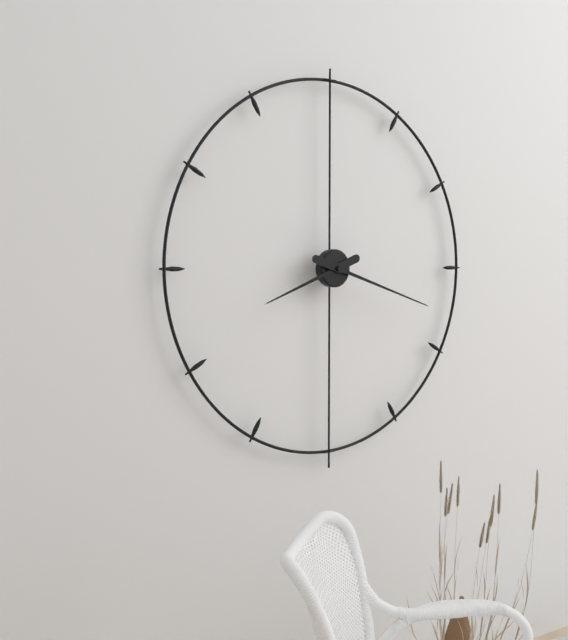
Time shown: 8:18
